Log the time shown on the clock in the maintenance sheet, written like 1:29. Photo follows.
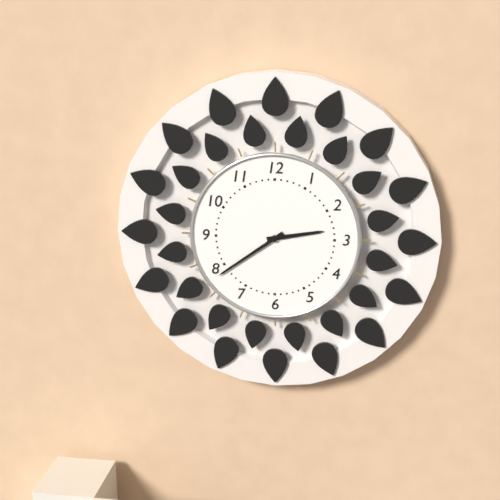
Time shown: 2:39
